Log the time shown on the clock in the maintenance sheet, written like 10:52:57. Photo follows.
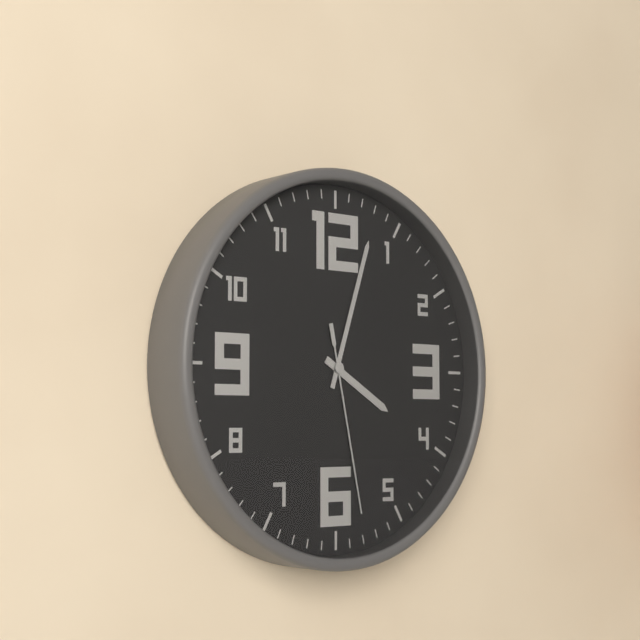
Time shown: 4:03:28
